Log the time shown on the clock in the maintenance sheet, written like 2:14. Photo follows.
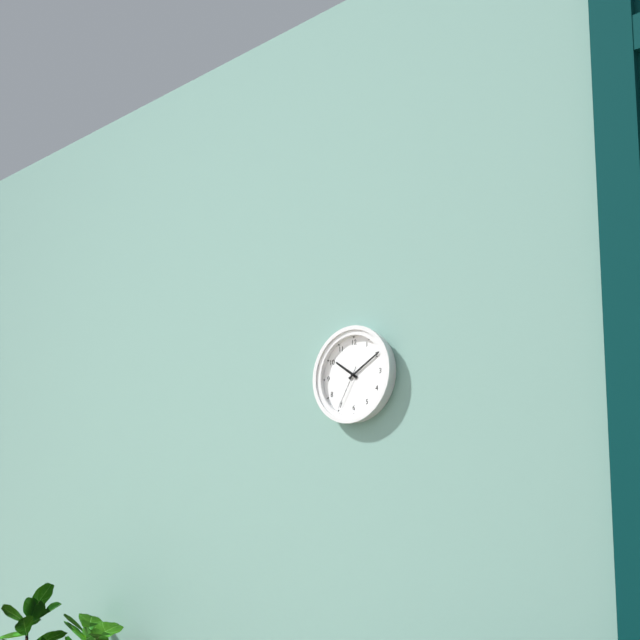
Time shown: 10:10
